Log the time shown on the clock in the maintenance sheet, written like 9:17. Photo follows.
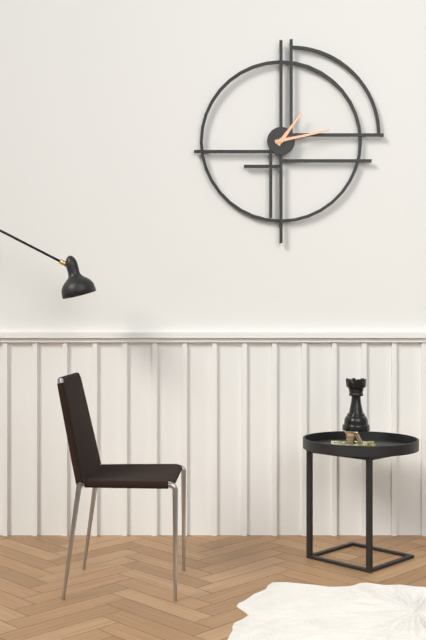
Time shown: 1:13
